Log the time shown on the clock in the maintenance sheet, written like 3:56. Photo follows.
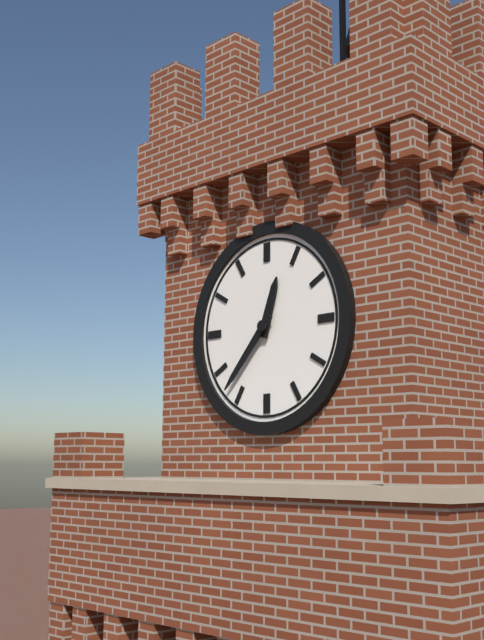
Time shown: 12:37
